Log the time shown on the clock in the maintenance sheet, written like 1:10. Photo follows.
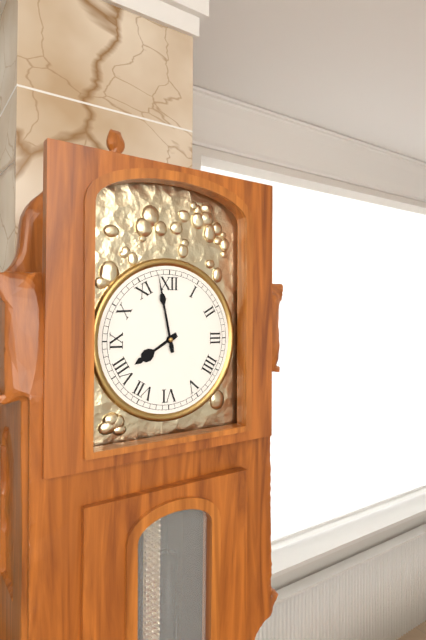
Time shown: 7:58
